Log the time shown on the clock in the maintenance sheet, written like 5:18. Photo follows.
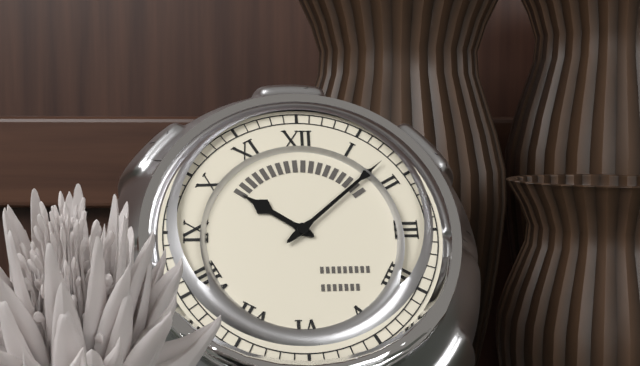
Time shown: 10:08
